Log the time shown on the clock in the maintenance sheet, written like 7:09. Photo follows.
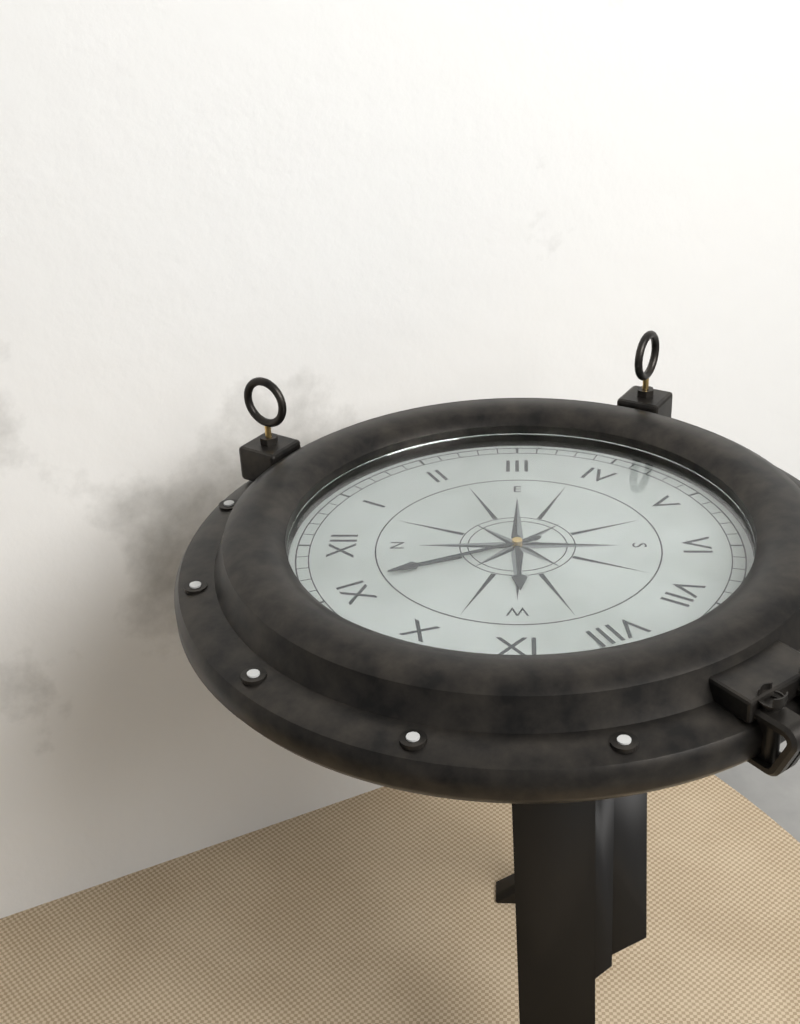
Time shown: 8:56
